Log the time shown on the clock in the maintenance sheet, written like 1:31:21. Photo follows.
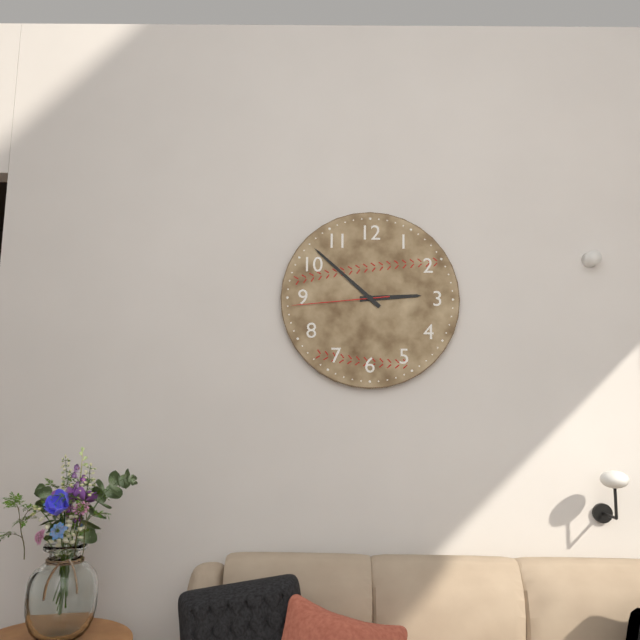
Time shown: 2:52:44
